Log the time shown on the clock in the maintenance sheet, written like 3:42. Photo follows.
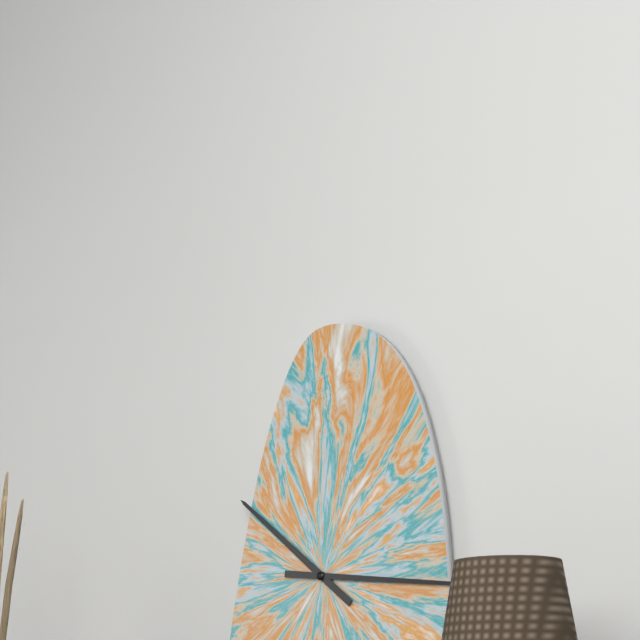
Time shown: 10:16
